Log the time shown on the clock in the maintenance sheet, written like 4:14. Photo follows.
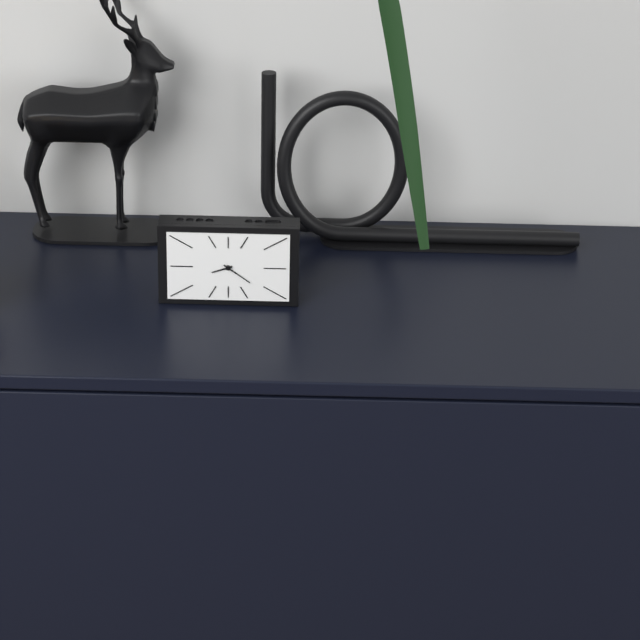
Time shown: 8:21
